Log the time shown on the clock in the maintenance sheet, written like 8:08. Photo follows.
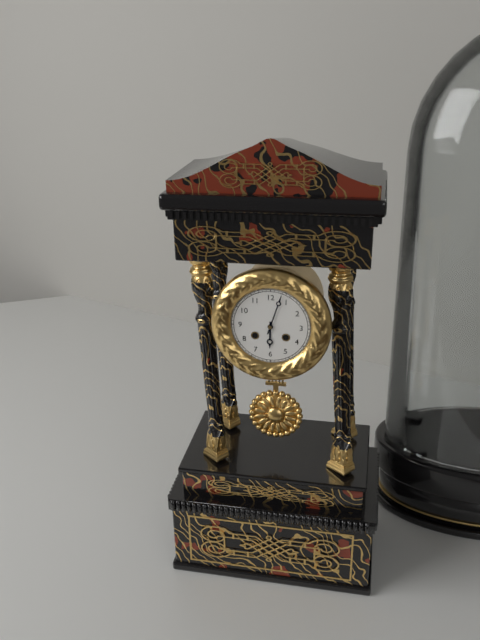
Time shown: 6:03
